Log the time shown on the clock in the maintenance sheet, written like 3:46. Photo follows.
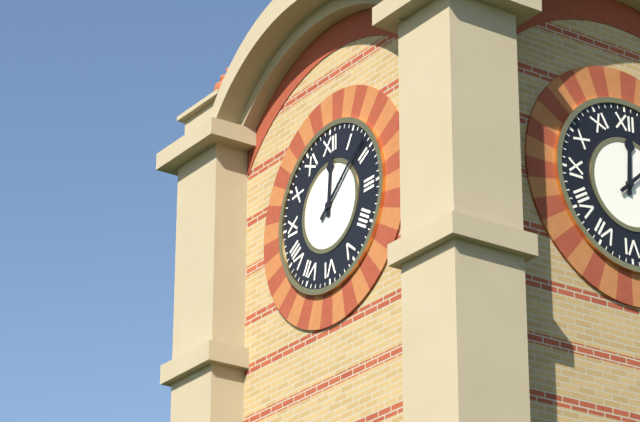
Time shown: 12:08
